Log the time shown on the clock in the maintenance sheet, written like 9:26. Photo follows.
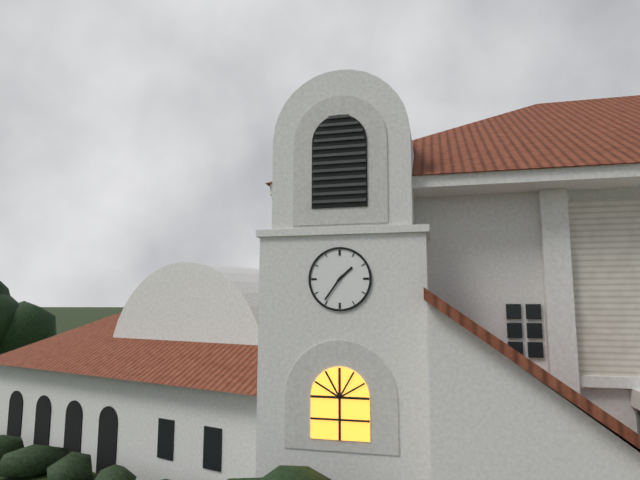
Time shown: 1:36
